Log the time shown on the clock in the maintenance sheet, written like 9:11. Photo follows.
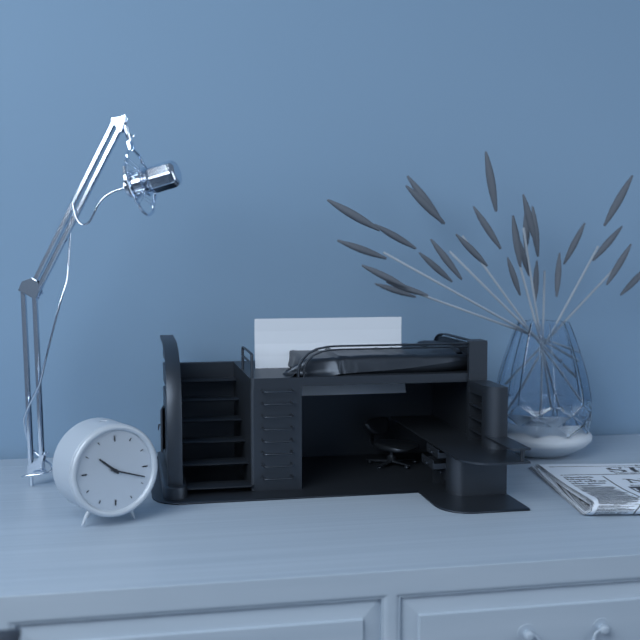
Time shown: 10:18
